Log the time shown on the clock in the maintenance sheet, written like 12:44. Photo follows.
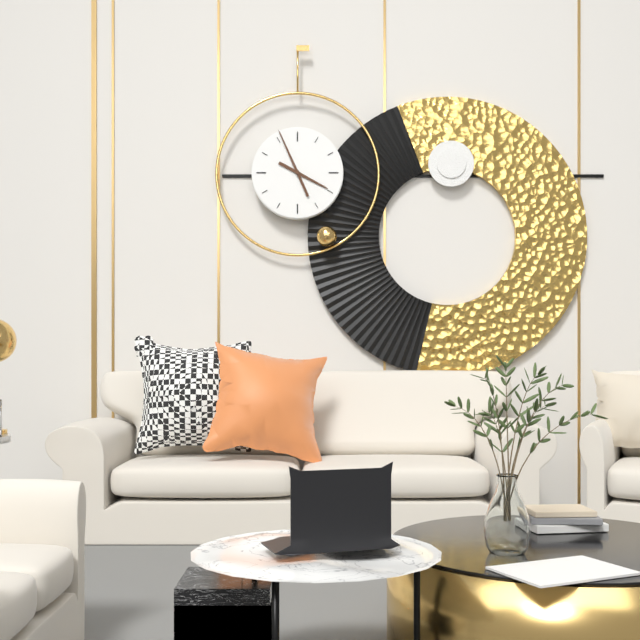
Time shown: 3:56
